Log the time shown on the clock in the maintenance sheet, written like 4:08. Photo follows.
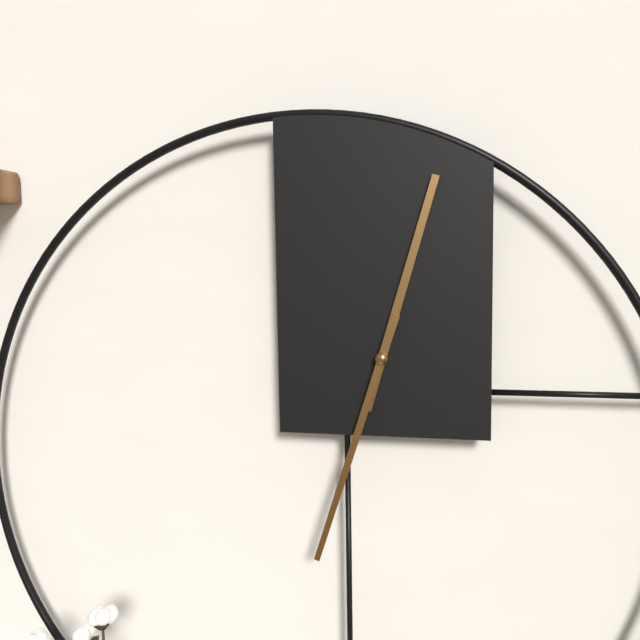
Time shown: 12:33
